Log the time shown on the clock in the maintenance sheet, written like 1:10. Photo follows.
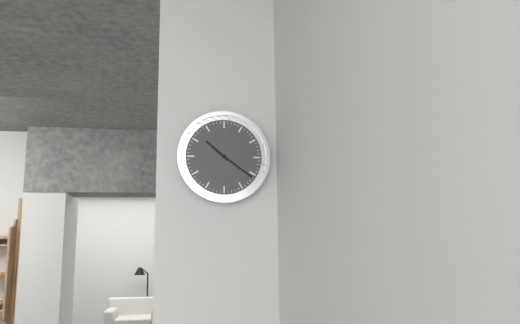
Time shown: 10:21
